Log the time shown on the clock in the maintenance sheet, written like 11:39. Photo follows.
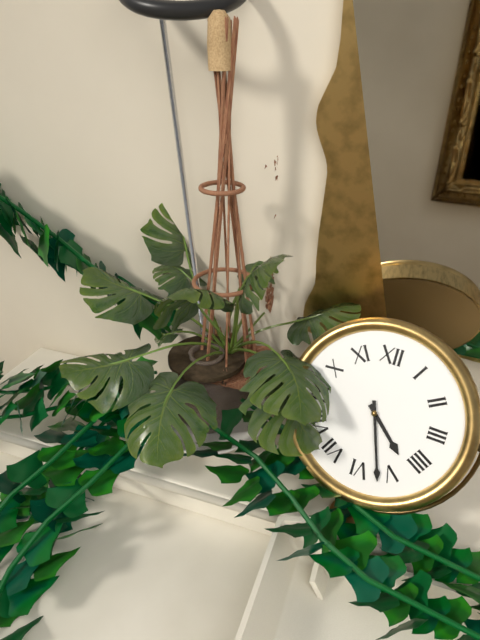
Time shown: 4:27
